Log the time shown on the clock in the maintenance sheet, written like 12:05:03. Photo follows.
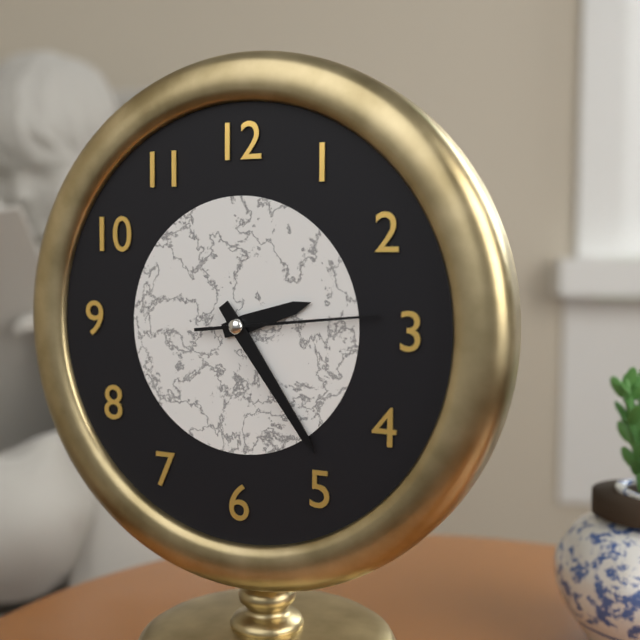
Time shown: 2:24:14
